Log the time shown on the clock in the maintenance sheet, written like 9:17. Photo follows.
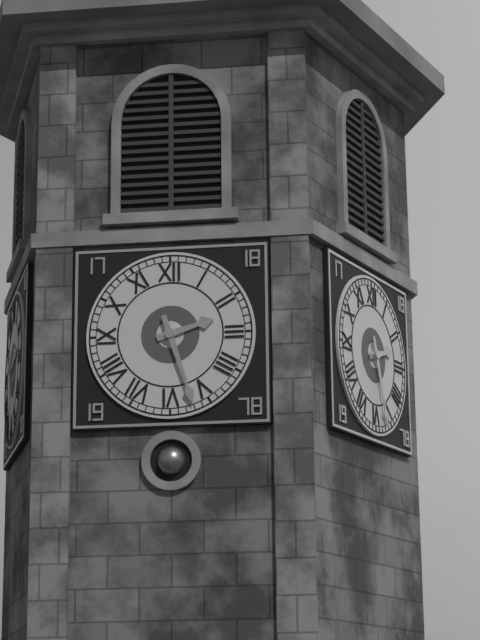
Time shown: 2:27
